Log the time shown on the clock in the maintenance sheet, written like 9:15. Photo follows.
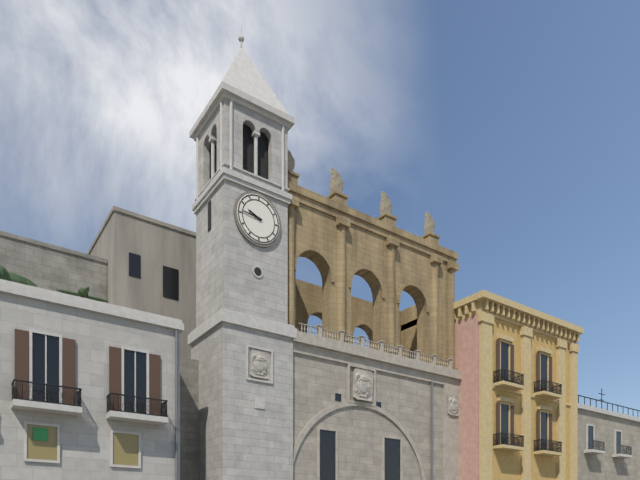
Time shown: 9:46
